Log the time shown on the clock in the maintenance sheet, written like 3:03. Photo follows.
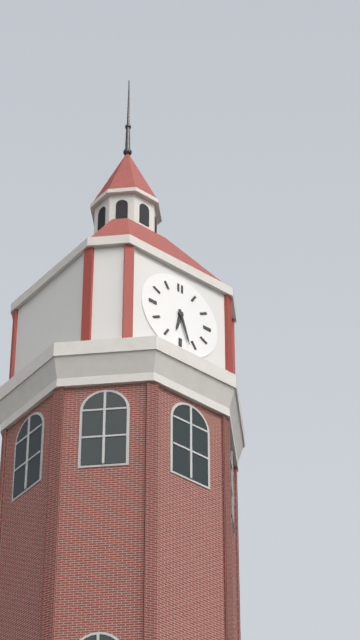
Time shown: 6:27
